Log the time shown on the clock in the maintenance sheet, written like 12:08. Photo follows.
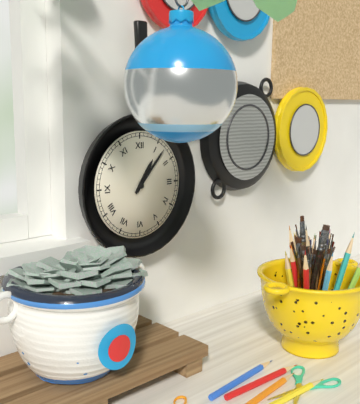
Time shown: 1:07
